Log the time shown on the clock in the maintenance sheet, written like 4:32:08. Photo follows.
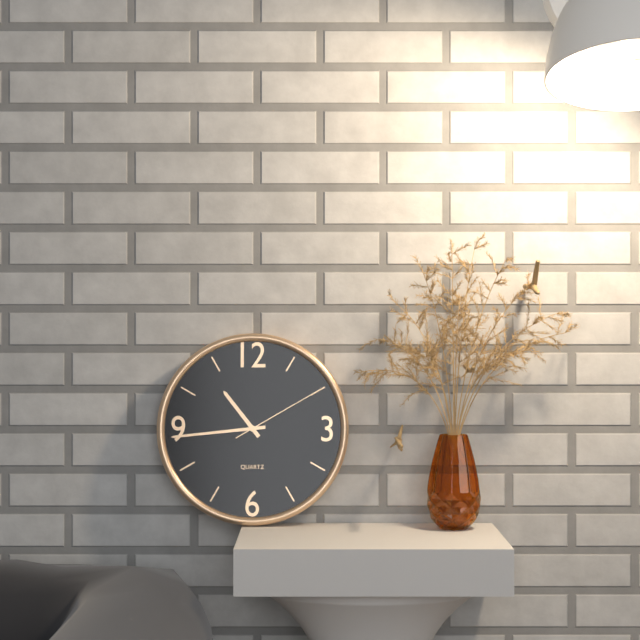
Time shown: 10:44:10
